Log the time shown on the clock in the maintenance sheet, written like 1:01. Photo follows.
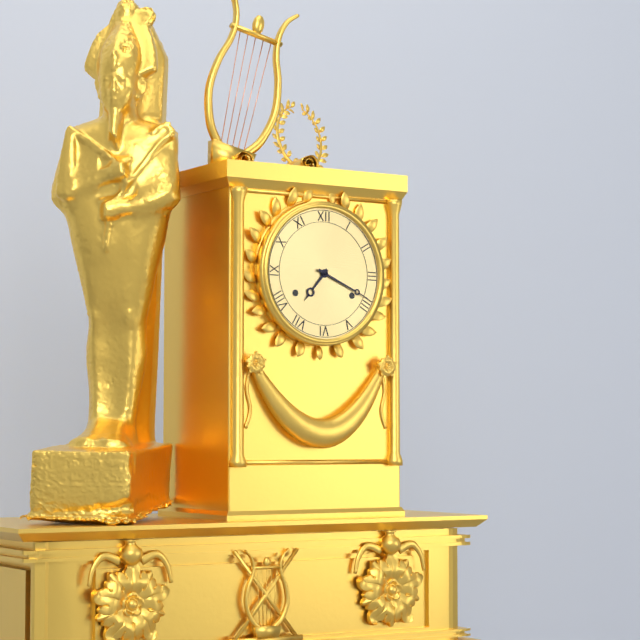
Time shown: 7:19
